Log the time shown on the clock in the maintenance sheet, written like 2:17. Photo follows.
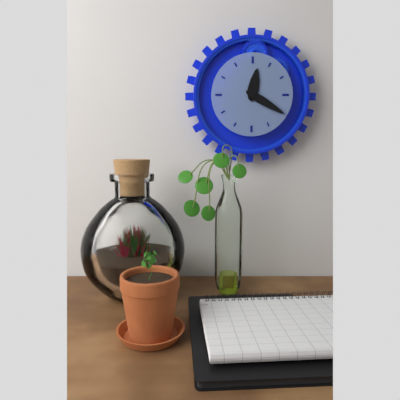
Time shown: 12:20
